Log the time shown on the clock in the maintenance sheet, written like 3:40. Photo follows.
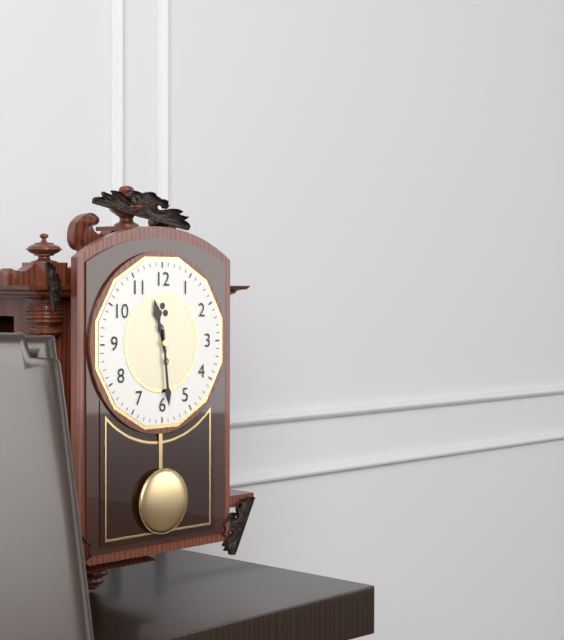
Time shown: 11:29
